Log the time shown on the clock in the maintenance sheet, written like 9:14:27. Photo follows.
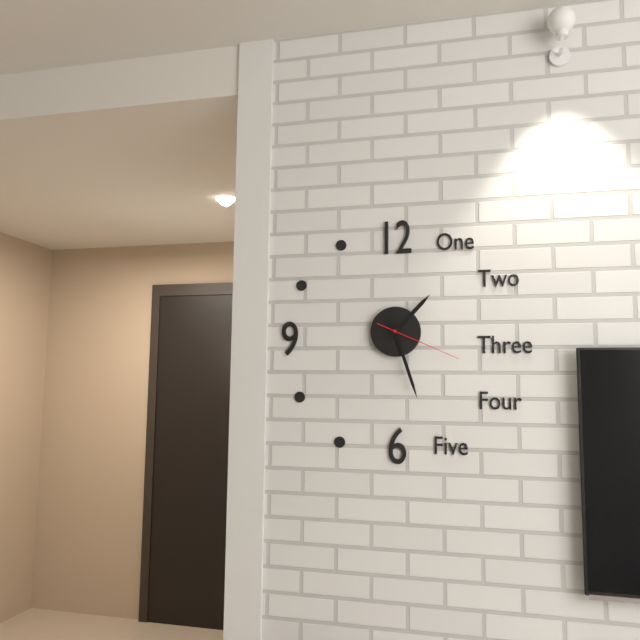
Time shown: 1:27:19
